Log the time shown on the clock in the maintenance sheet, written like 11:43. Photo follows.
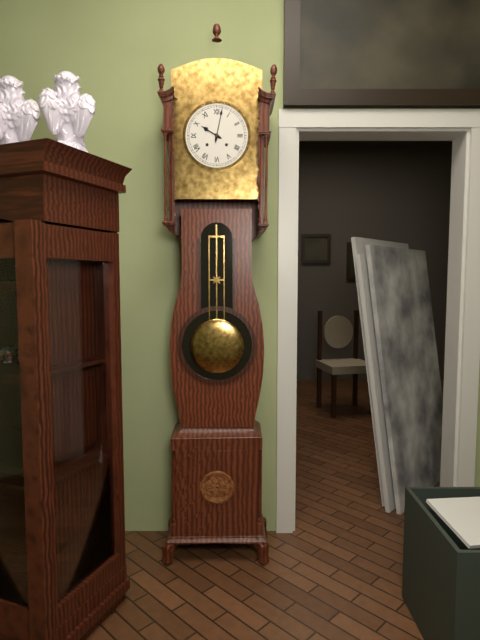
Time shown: 10:02
